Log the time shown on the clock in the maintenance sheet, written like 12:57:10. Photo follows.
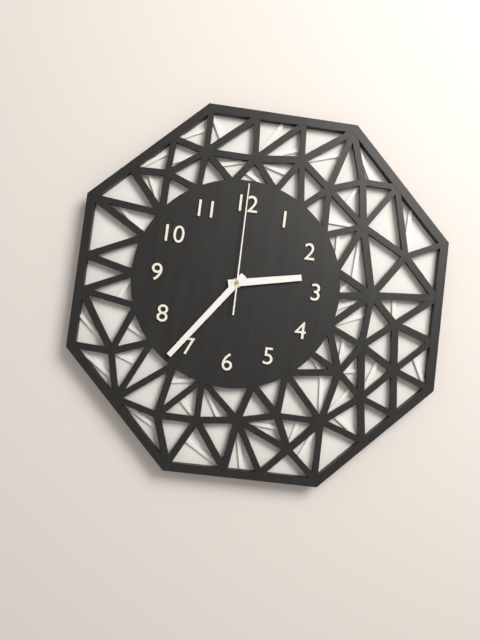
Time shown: 2:36:00
